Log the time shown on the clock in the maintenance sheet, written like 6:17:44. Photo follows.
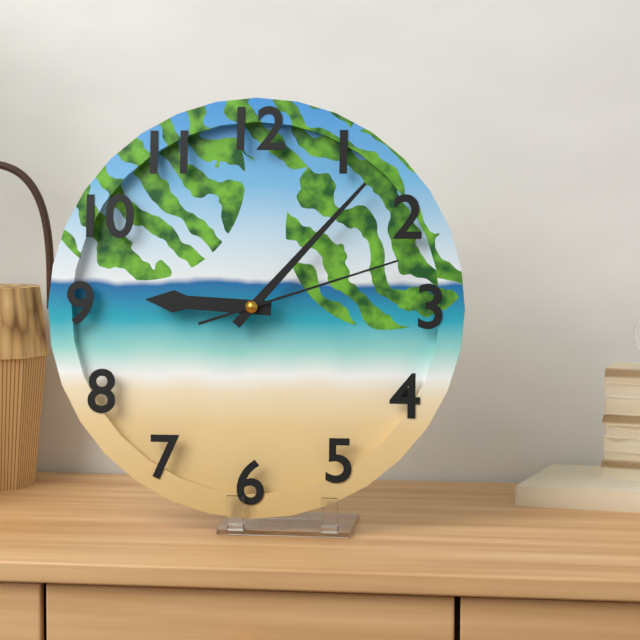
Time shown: 9:07:12
